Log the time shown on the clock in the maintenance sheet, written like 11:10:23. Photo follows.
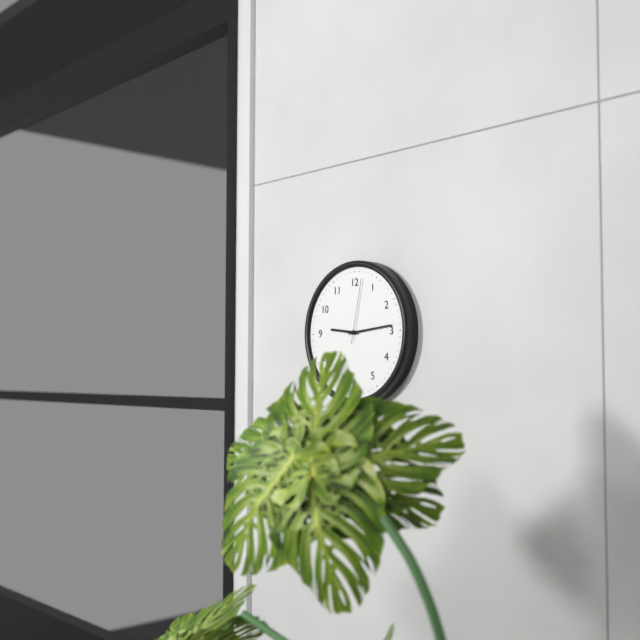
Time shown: 9:14:02
